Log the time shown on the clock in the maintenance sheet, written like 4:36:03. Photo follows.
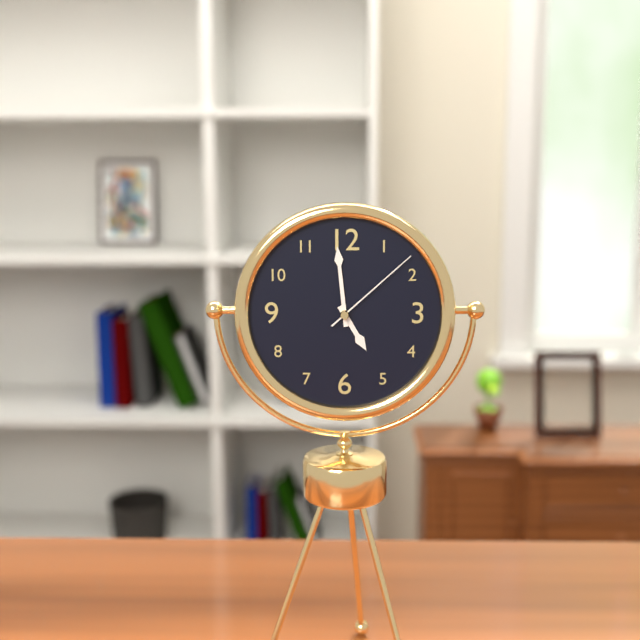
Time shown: 4:59:08
